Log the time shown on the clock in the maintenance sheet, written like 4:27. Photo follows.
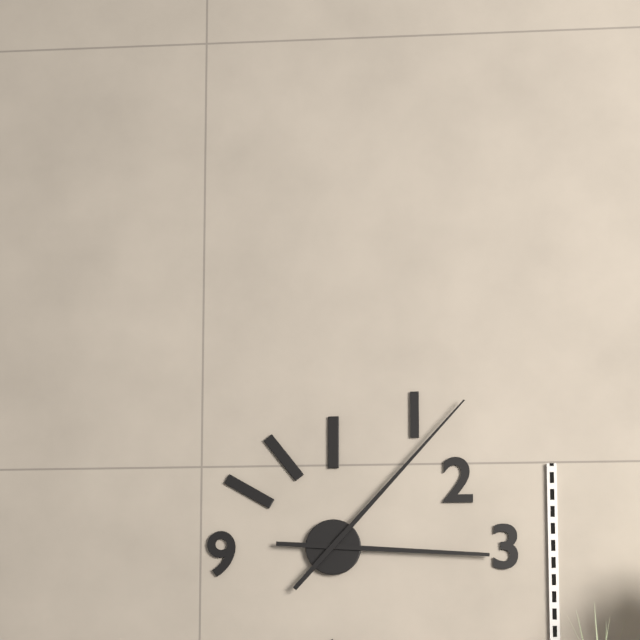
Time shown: 3:07
